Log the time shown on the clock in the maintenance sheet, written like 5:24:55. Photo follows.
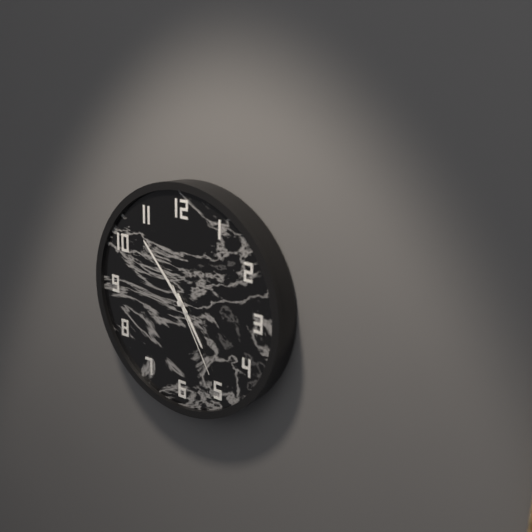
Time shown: 4:53:25
